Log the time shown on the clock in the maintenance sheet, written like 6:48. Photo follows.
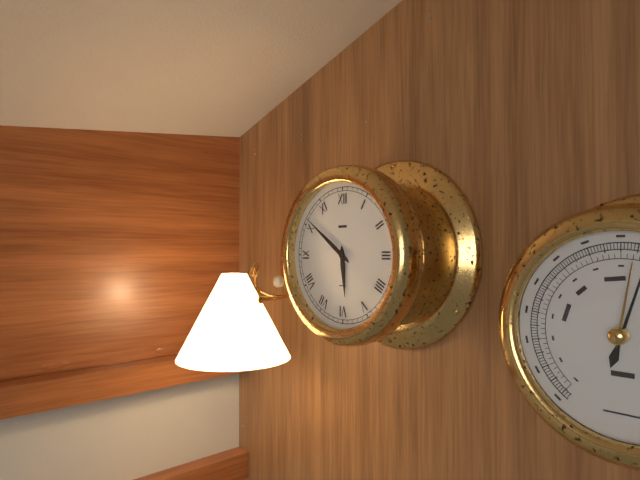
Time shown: 5:51
